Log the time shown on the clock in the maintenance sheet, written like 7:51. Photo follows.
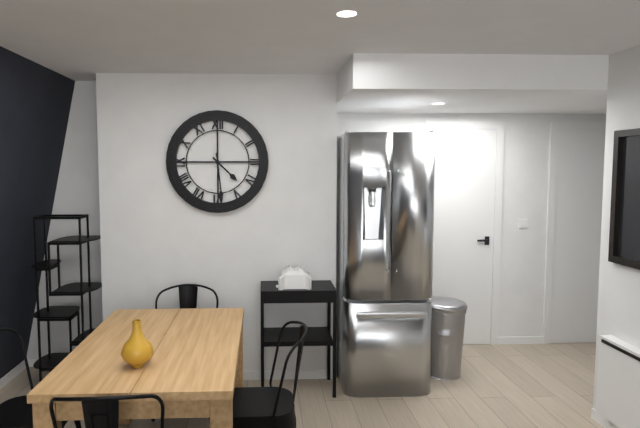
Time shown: 4:29
